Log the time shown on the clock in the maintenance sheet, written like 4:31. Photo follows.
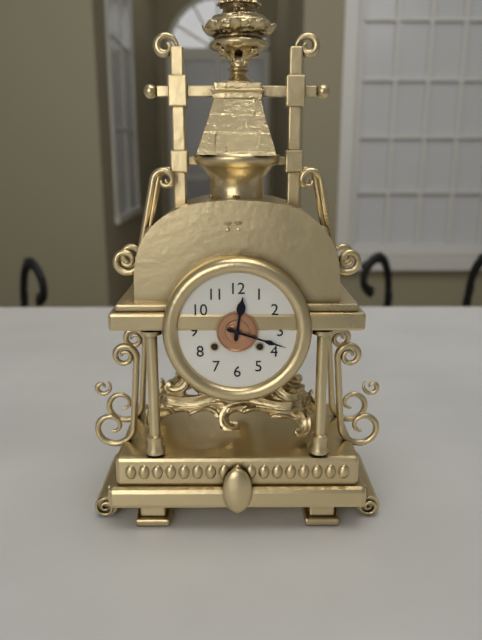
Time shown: 12:18
